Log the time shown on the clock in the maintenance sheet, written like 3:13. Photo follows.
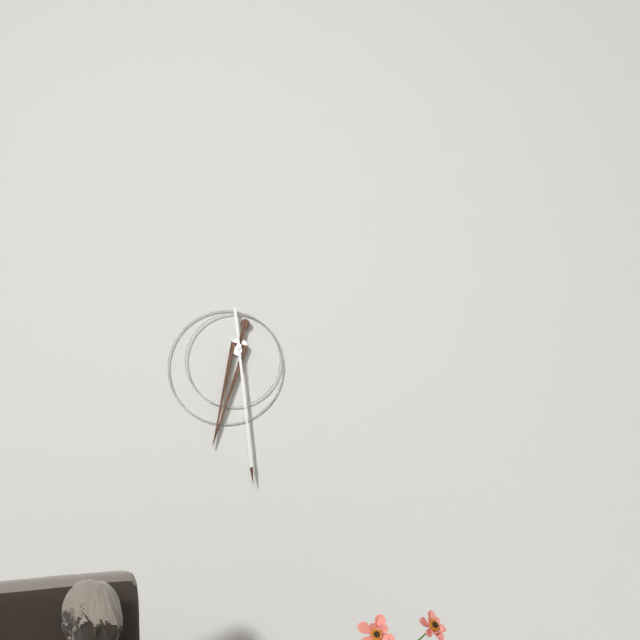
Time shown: 6:29
